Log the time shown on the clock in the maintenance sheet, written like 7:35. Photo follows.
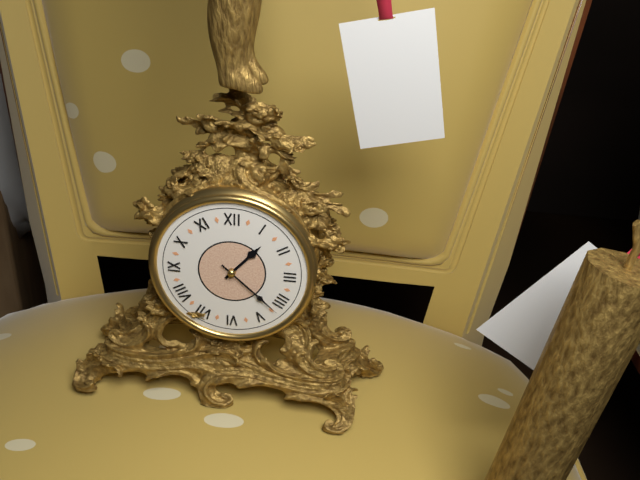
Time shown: 1:22
